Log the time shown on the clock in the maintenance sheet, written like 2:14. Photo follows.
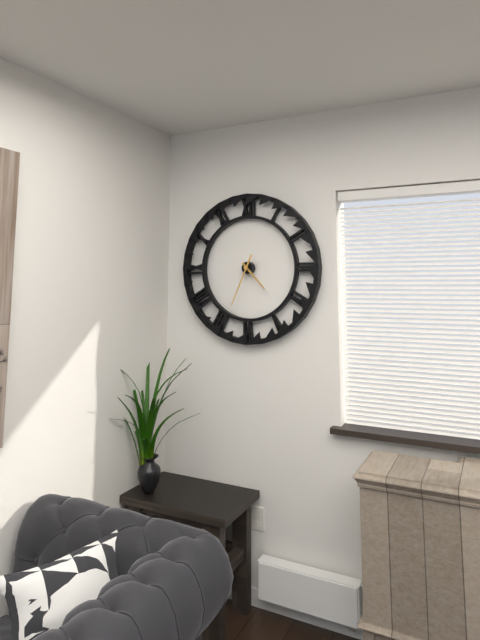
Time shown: 4:34
